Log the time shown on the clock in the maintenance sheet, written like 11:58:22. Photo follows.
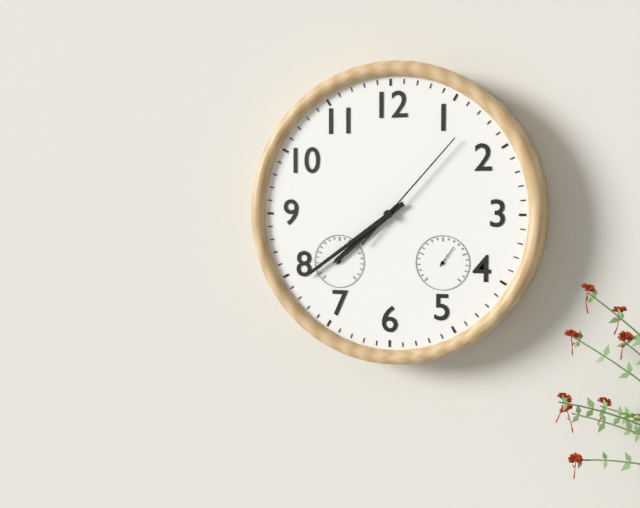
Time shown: 7:39:07
